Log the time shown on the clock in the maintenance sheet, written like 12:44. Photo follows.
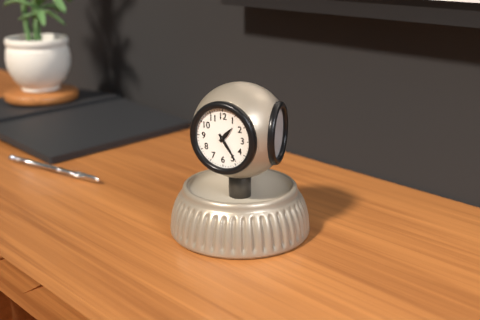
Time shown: 1:24
